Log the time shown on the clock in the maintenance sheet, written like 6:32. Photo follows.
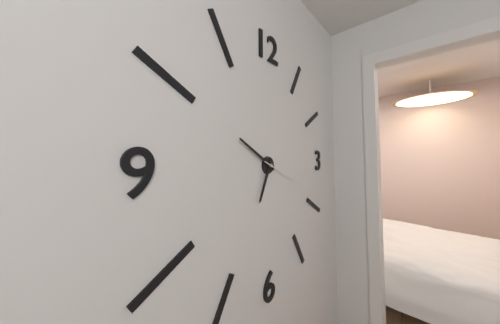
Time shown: 6:50
